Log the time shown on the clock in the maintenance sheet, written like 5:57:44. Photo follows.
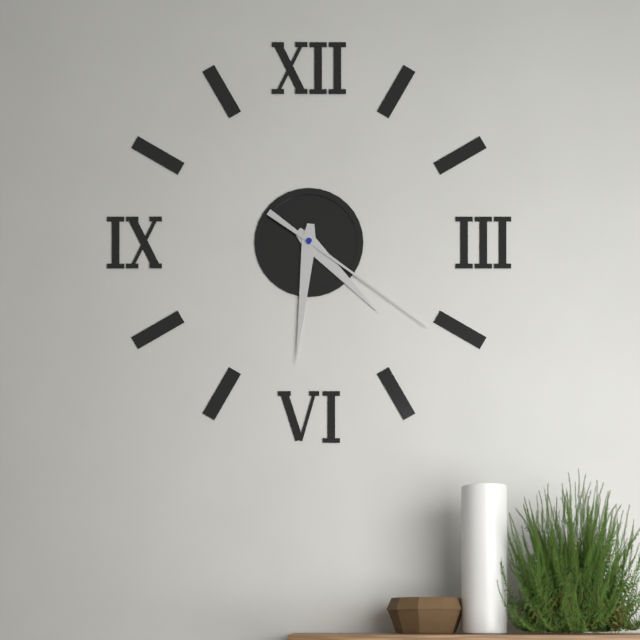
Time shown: 4:31:21
